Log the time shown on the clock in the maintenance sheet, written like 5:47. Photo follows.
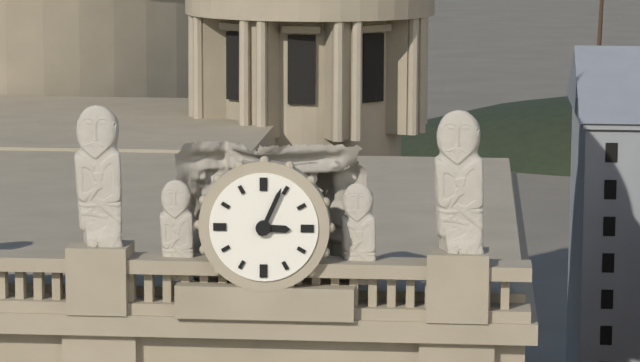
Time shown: 3:04
